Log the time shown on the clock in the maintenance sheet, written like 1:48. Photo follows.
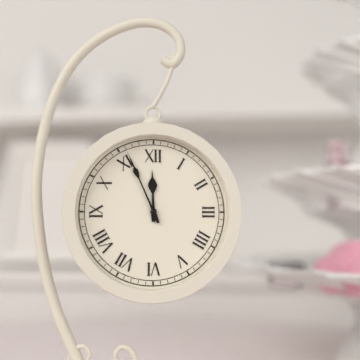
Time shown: 11:56
